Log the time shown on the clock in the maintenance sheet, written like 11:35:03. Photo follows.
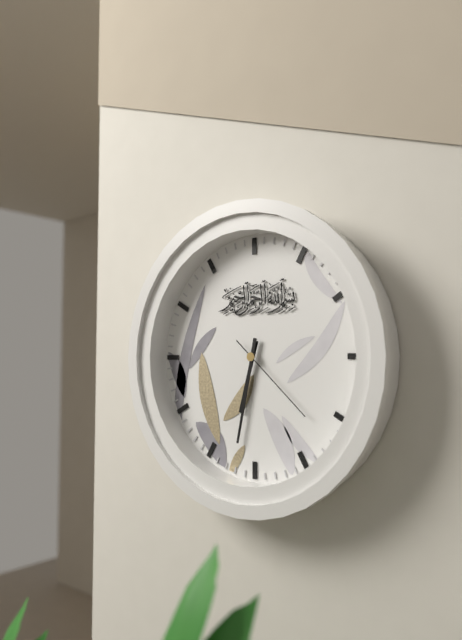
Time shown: 6:32:22
